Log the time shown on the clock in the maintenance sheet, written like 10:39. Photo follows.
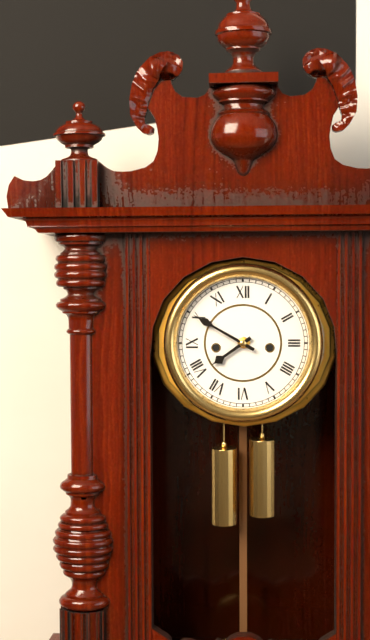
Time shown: 7:50
